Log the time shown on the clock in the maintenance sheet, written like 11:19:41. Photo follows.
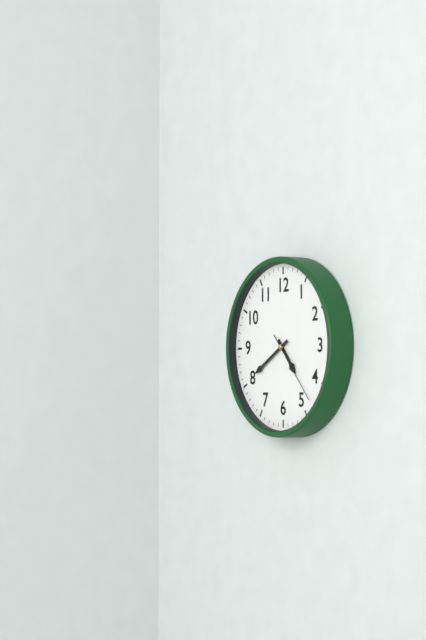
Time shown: 4:40:23
